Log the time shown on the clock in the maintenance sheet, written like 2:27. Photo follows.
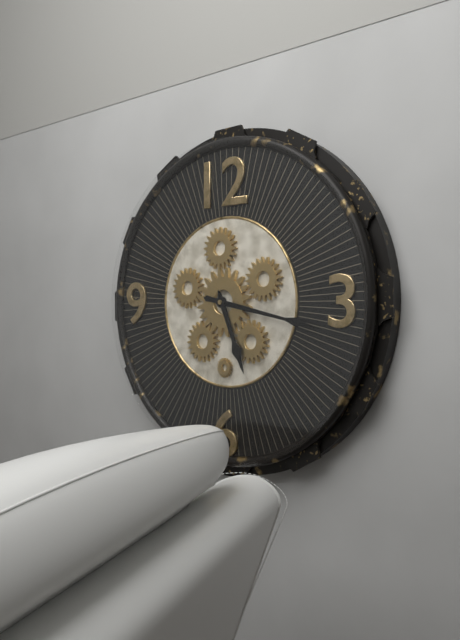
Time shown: 5:17
